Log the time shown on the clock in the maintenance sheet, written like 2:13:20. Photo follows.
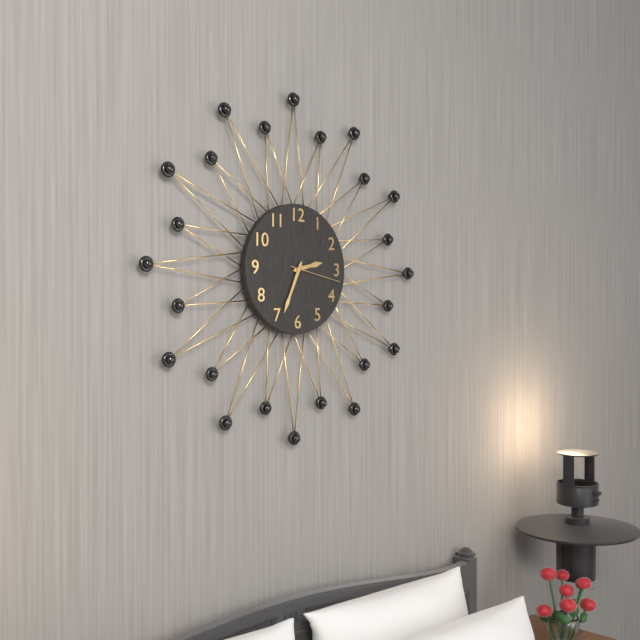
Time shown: 2:34:17
